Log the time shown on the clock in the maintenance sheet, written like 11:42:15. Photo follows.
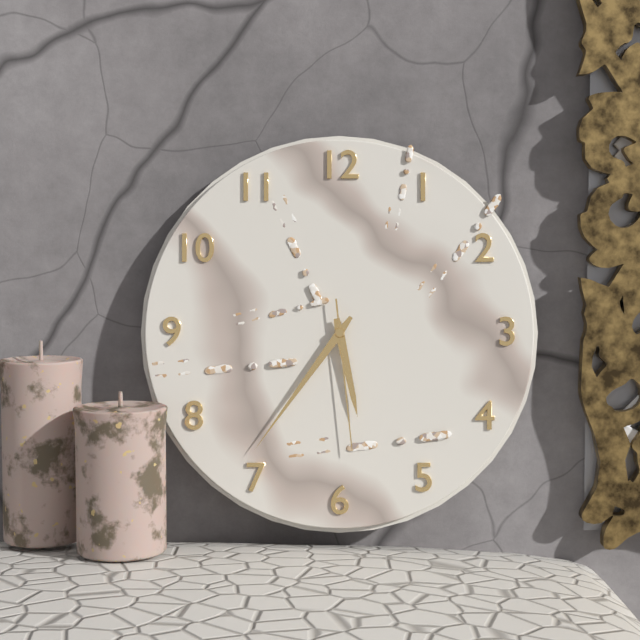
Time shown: 5:36:29
